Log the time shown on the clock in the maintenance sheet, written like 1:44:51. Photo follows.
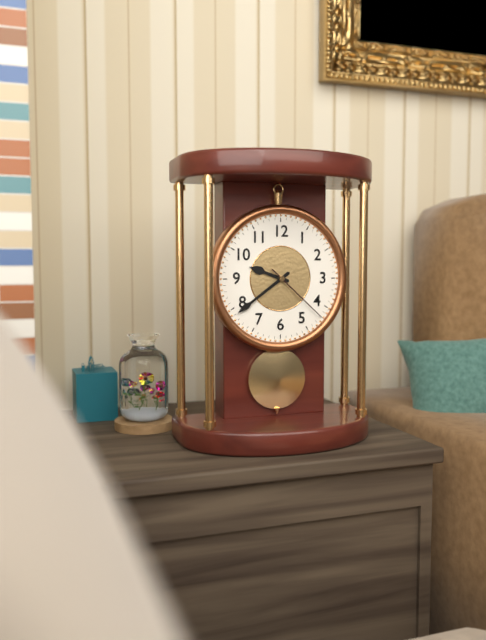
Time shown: 9:39:22
